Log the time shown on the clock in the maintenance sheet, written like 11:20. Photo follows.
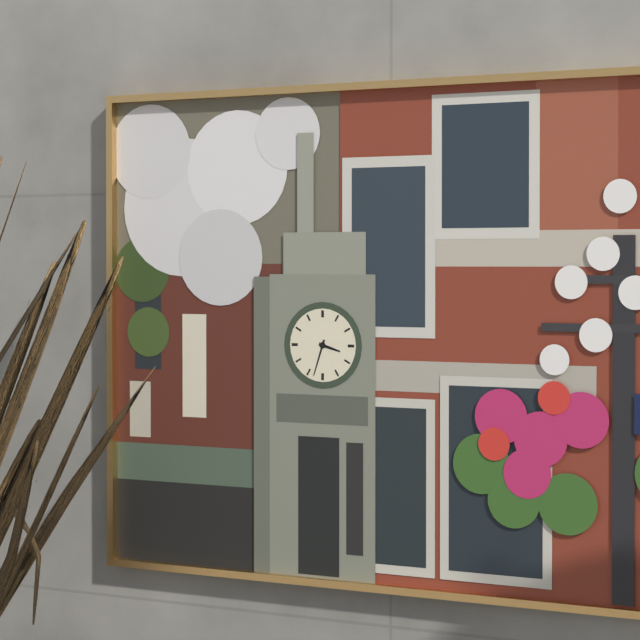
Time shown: 3:33
